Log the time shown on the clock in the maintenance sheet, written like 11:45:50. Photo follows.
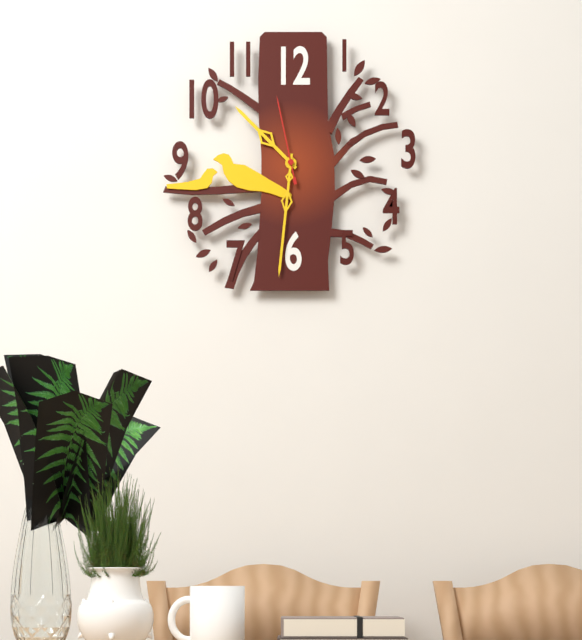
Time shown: 10:31:58
